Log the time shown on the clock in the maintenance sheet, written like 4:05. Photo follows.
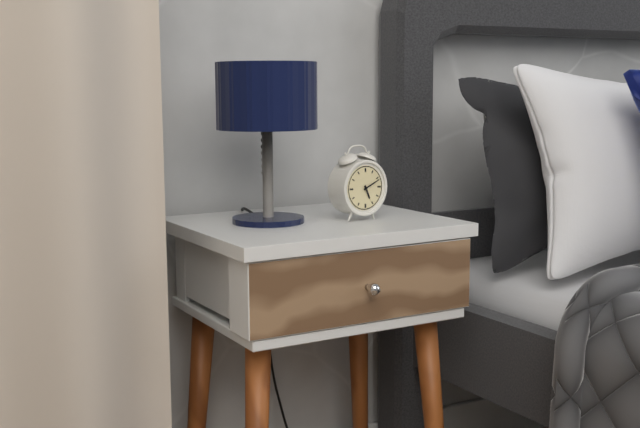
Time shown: 5:11
